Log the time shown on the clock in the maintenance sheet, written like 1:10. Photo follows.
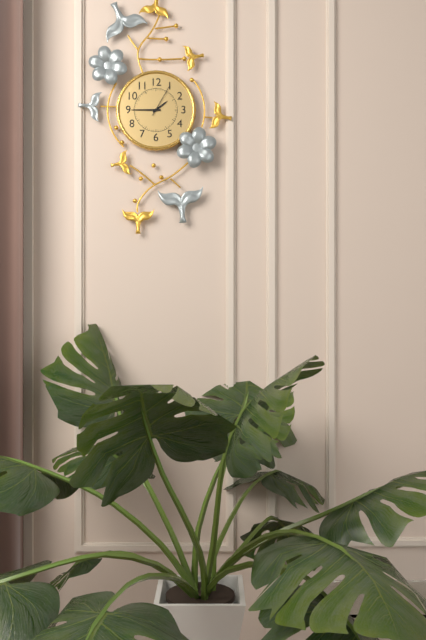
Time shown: 1:45
